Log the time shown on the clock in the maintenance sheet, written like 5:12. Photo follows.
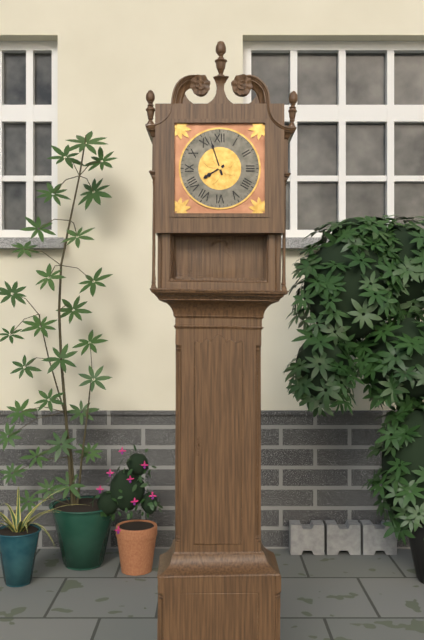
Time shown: 7:57
